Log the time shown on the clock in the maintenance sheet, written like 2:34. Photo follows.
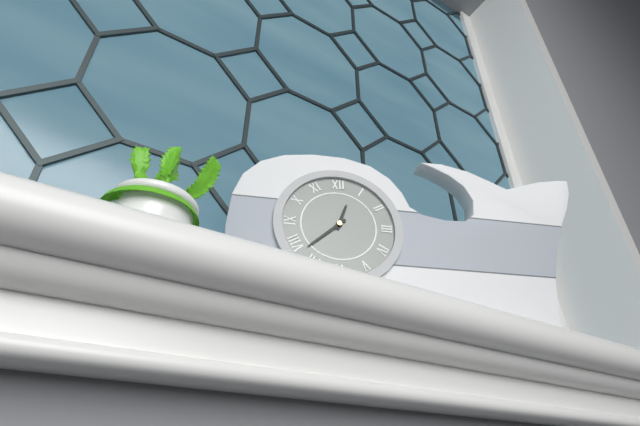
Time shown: 12:38
